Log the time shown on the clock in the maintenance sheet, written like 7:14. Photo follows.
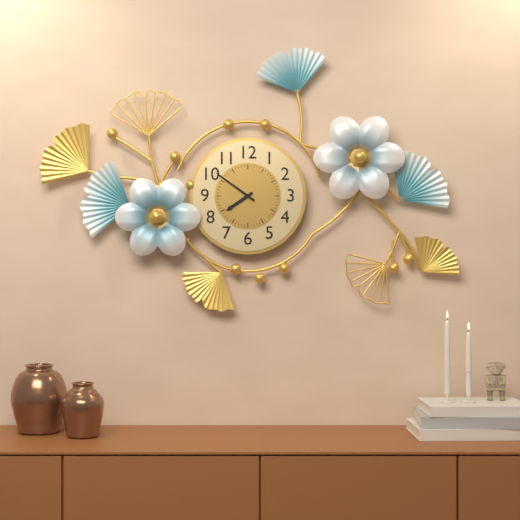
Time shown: 7:51
